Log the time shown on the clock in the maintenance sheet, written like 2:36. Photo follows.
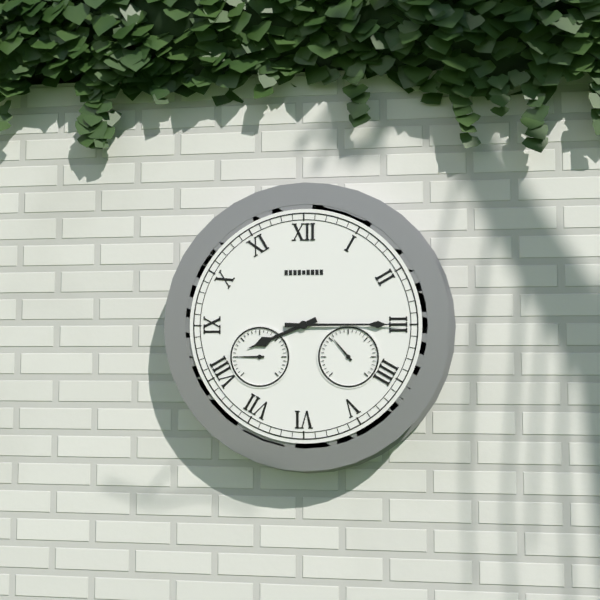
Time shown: 8:15
